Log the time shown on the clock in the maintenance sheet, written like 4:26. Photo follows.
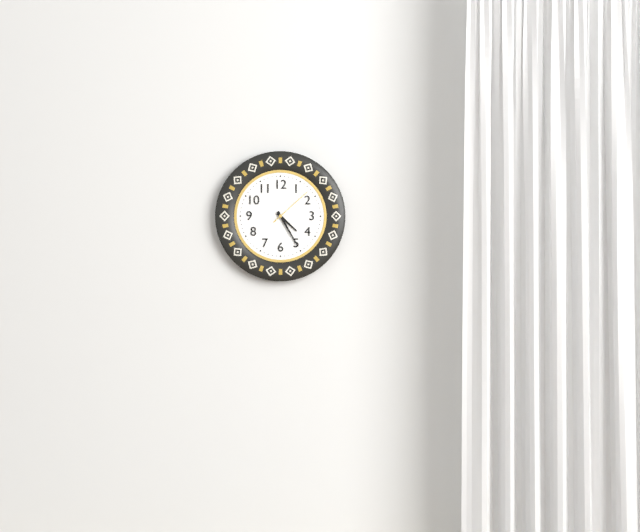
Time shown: 4:25
